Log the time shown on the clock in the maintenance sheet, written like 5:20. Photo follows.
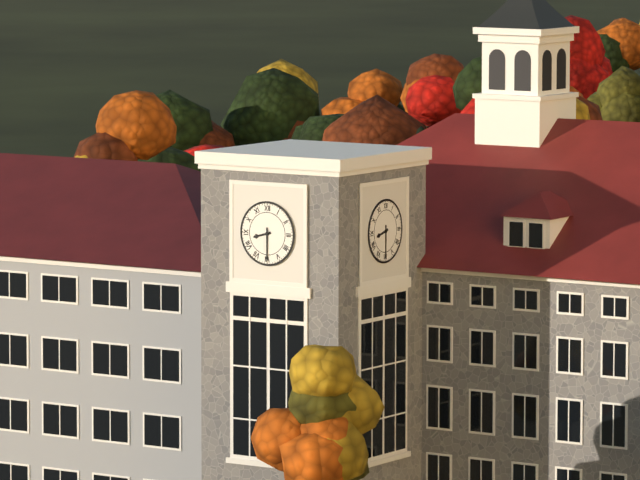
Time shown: 8:30
